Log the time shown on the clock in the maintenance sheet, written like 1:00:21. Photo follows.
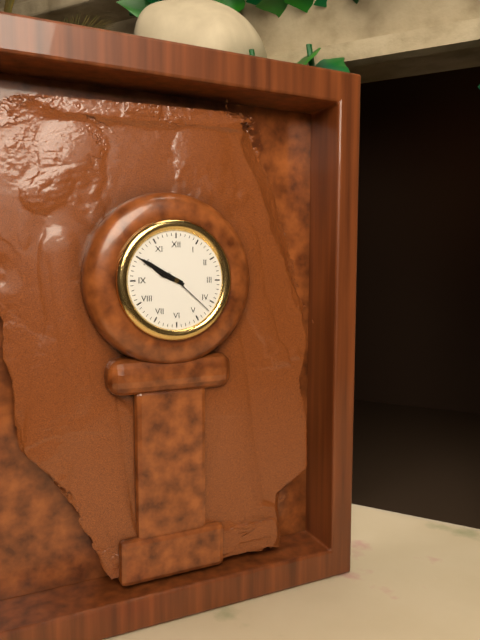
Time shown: 9:50:22
